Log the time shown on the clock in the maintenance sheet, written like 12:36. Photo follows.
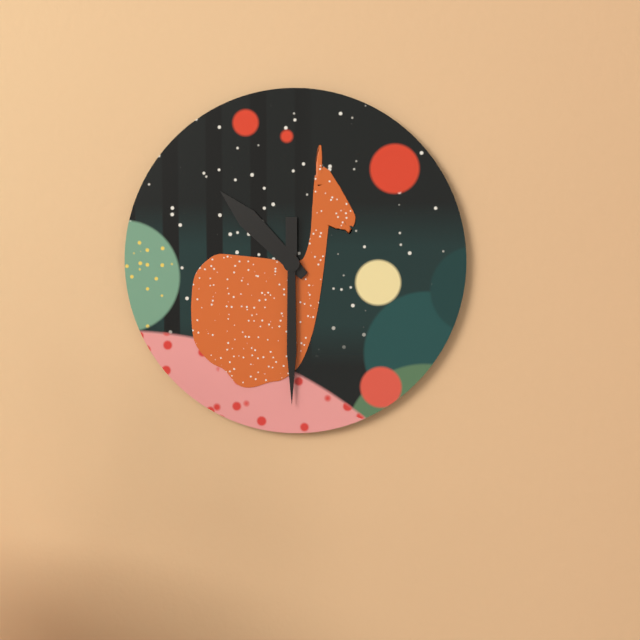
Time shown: 10:30
